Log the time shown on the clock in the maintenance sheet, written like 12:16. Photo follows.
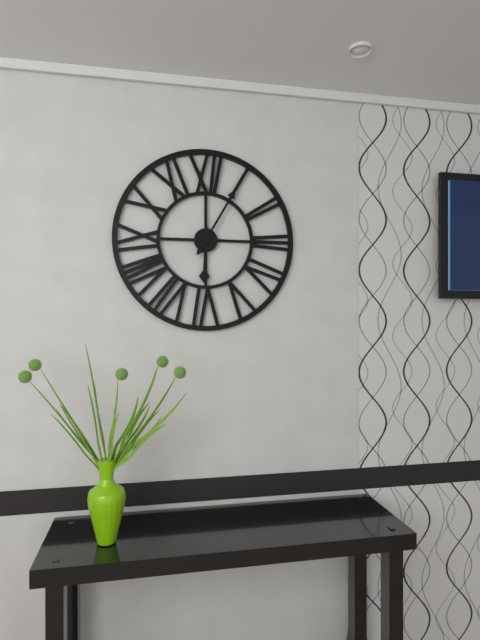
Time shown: 6:05
